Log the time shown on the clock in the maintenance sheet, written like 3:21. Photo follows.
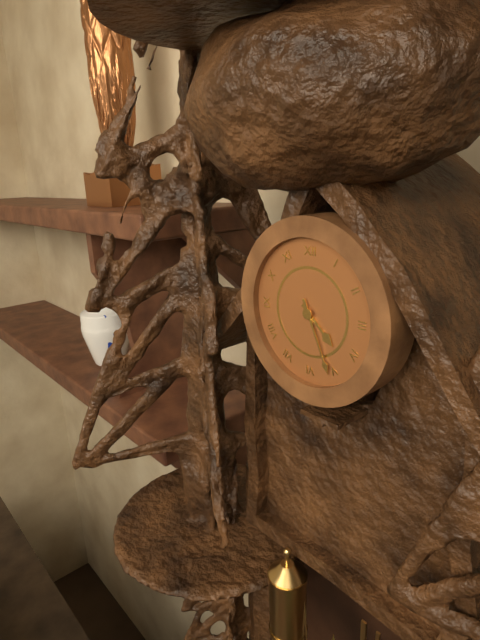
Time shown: 4:26
